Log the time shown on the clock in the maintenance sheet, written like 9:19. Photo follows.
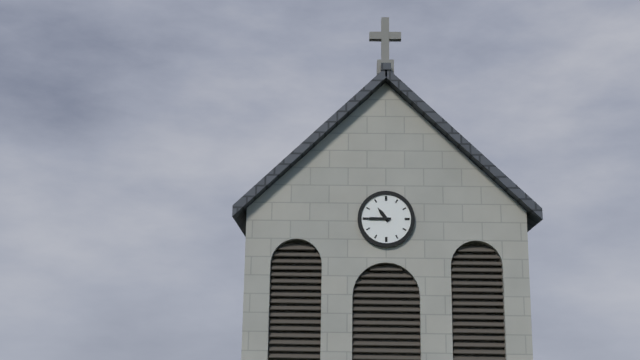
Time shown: 10:45
